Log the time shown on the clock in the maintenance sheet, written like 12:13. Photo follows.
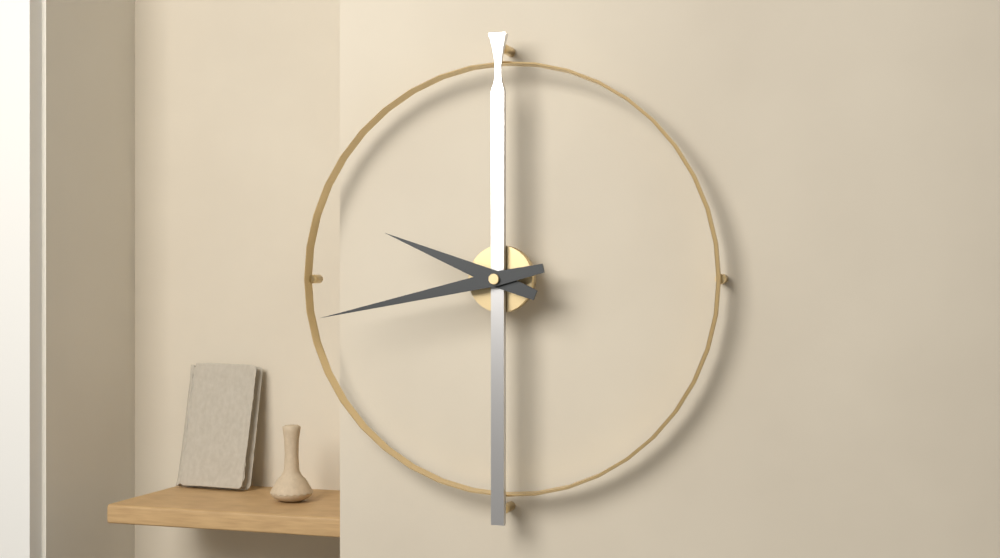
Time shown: 9:43
